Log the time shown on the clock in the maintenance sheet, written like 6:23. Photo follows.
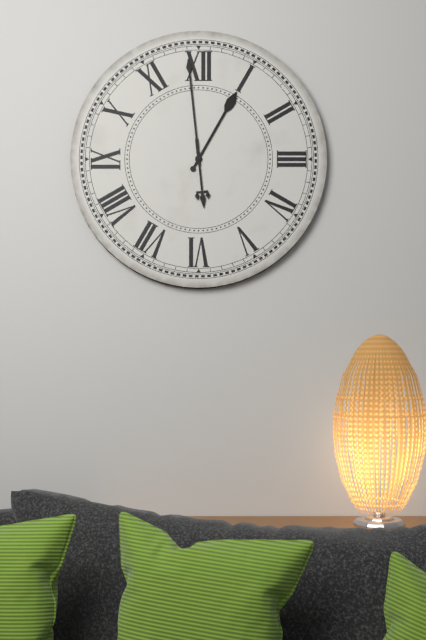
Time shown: 12:59
